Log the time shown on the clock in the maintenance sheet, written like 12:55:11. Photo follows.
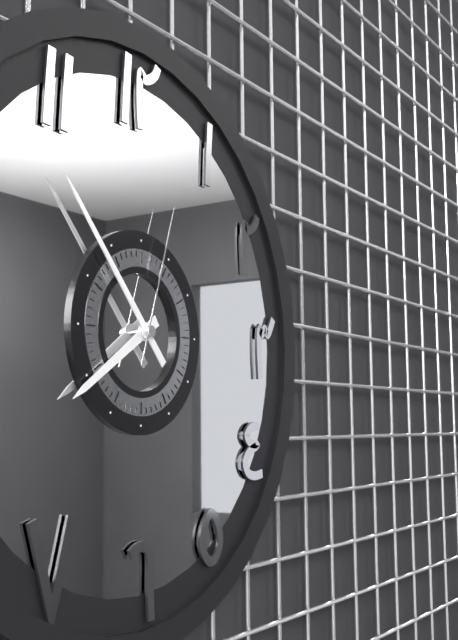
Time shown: 7:53:03
